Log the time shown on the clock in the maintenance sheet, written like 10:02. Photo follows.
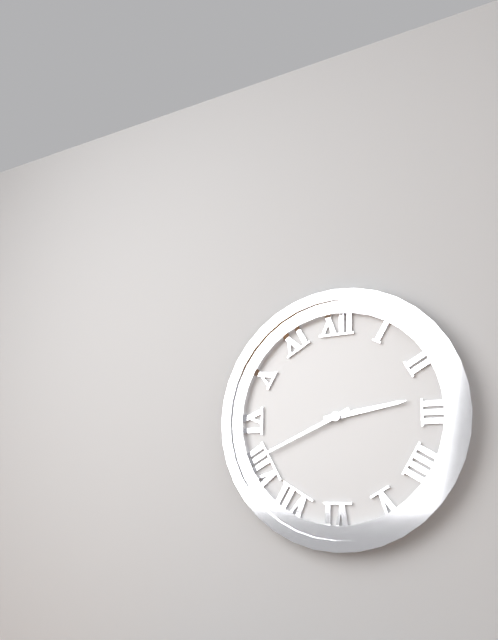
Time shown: 2:41
